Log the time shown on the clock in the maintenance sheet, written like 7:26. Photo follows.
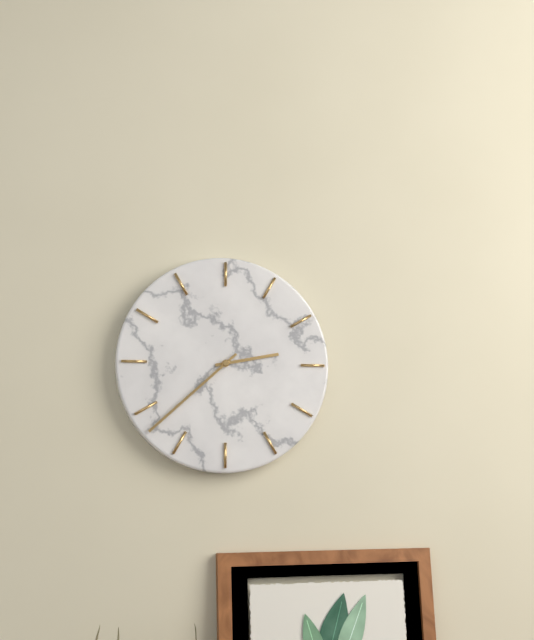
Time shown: 2:38
